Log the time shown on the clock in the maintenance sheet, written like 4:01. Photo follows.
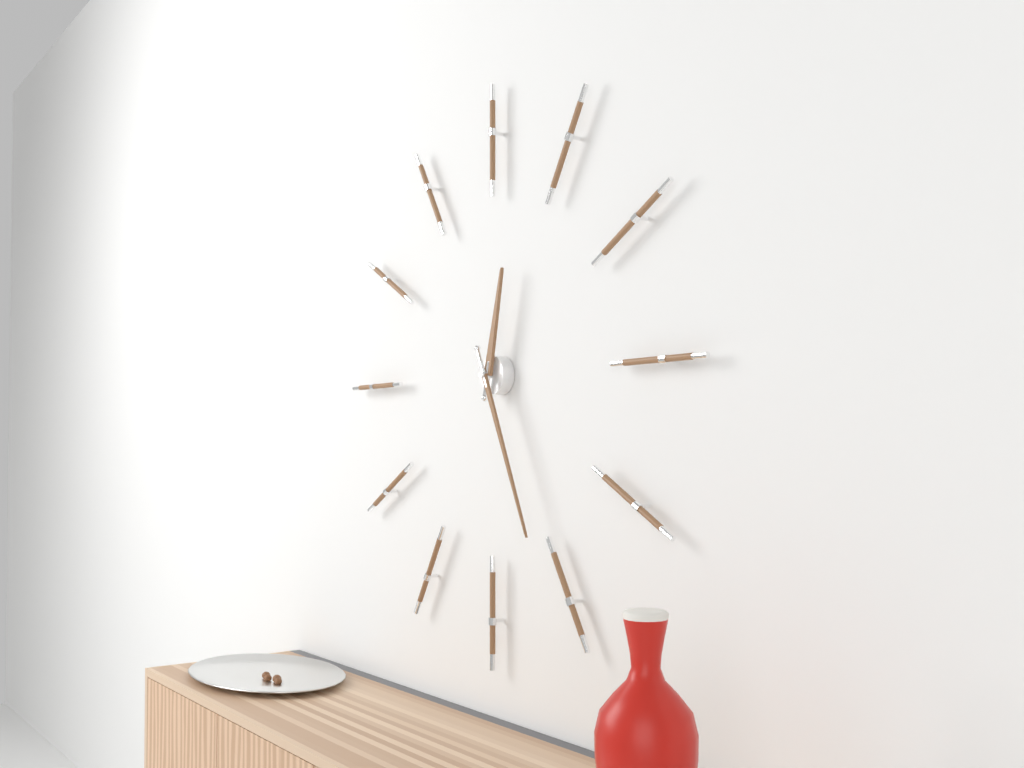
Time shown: 12:26
